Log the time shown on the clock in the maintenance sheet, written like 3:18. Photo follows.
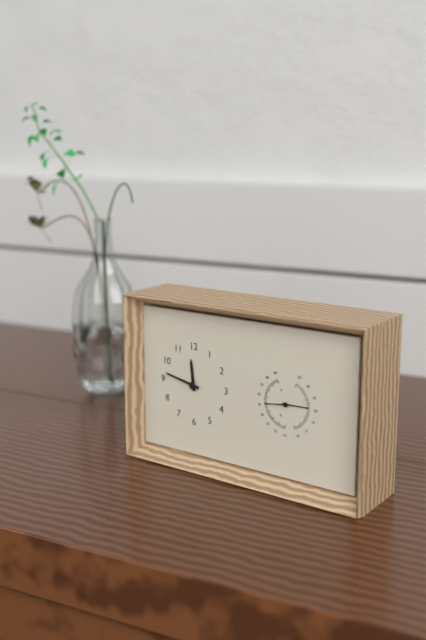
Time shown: 11:47
